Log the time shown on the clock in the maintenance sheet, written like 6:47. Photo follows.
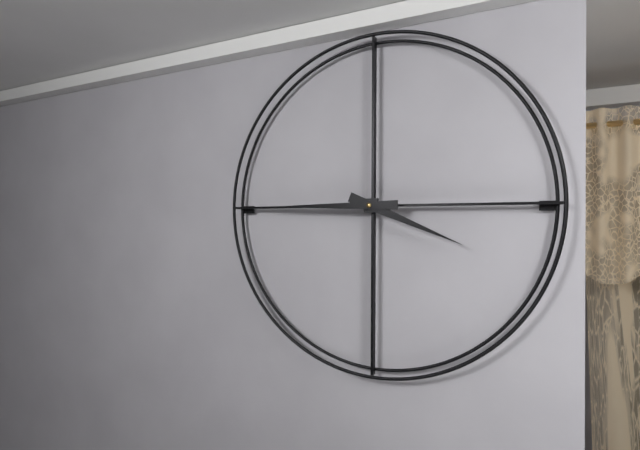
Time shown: 3:45
